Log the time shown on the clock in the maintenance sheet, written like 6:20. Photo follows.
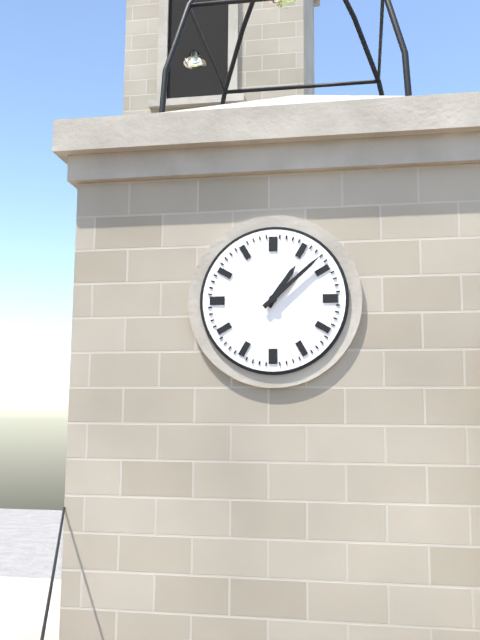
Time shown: 1:08
